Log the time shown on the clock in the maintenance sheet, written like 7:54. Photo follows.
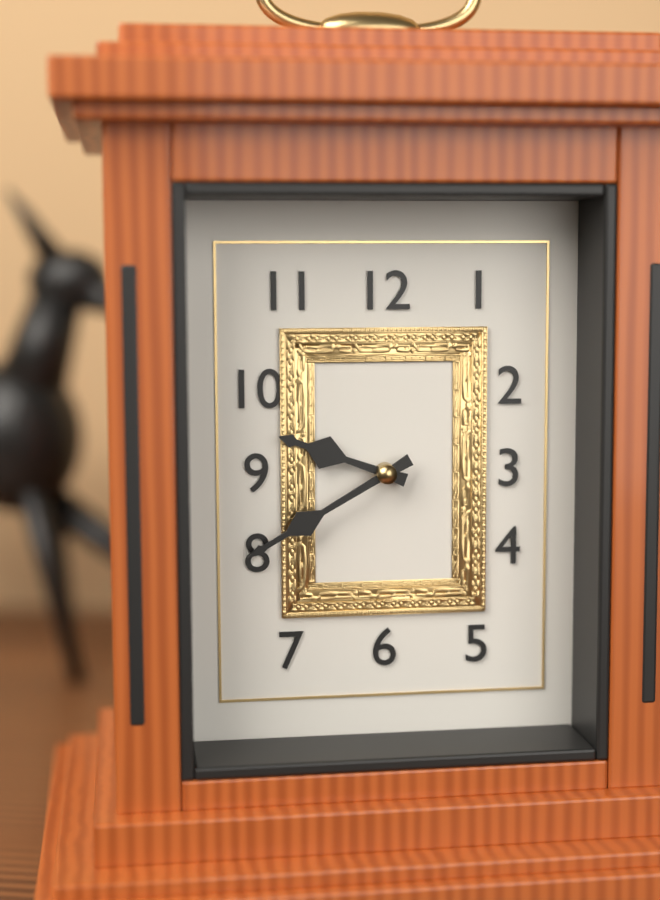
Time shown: 9:40
